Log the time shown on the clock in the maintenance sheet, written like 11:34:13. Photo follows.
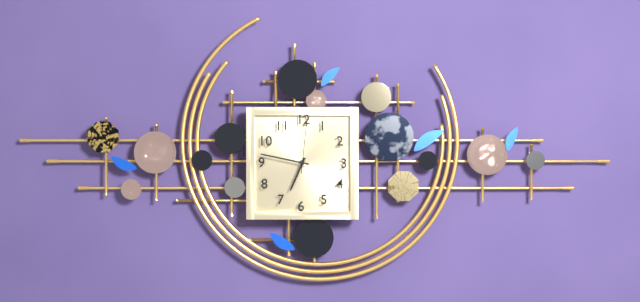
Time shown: 6:47:01
